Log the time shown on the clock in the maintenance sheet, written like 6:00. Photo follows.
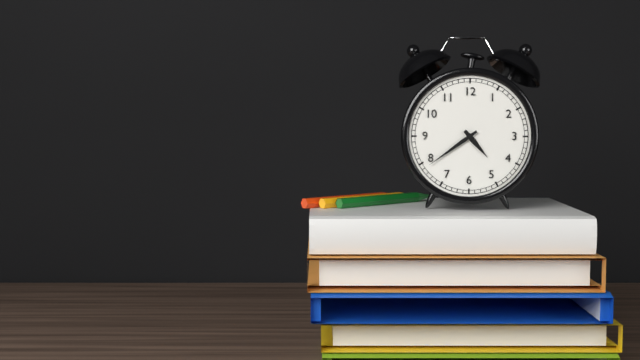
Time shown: 4:39
